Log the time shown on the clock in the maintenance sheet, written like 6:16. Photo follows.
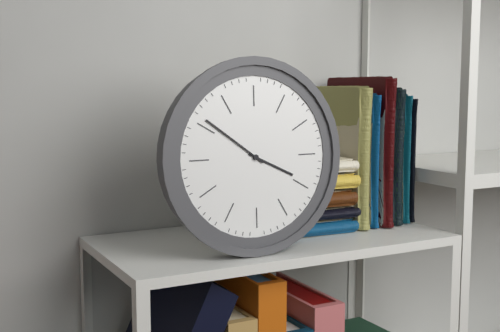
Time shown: 3:51
